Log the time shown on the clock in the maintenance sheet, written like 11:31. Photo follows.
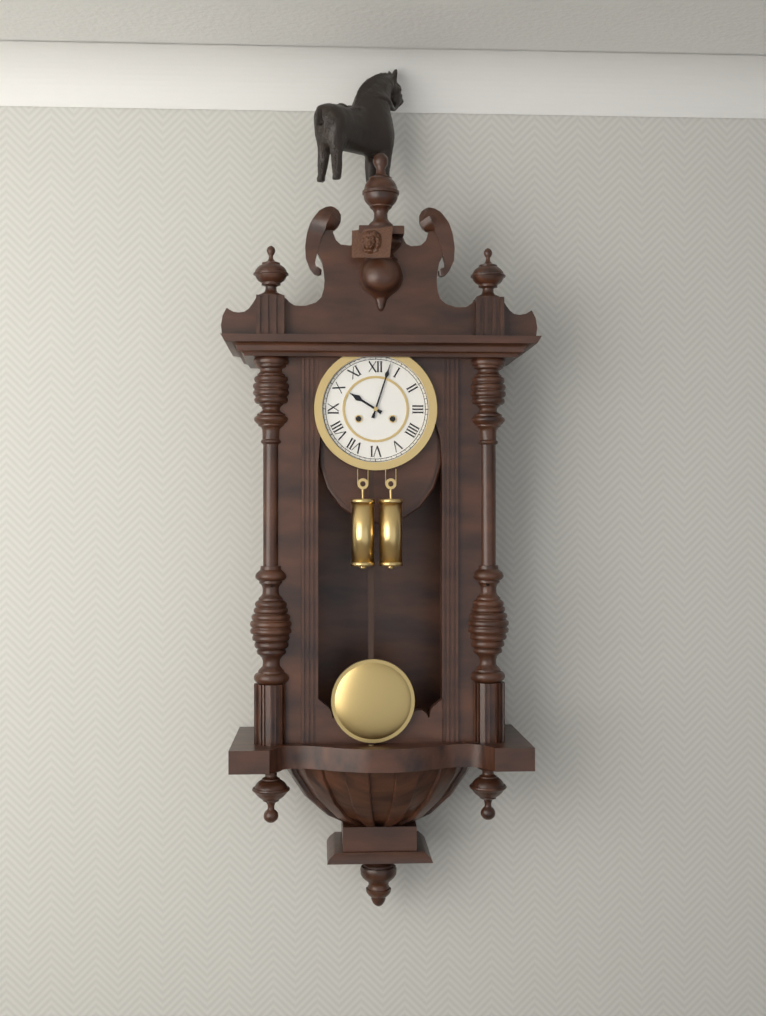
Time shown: 10:03
